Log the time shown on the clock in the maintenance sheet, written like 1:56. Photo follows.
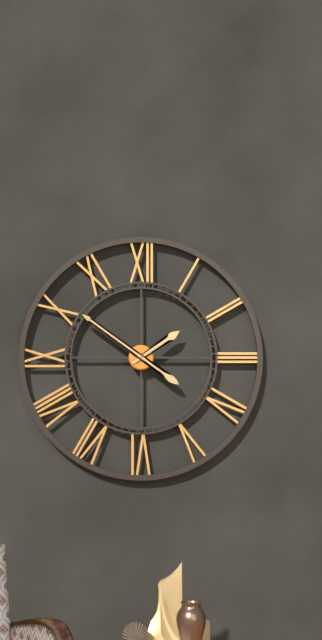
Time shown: 1:51
